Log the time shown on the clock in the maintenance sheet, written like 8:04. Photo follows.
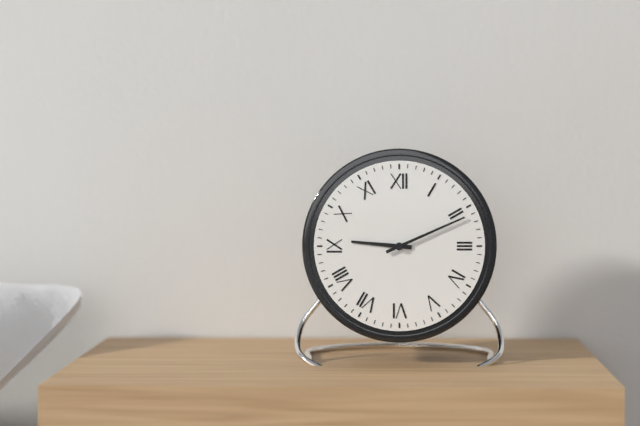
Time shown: 9:11
